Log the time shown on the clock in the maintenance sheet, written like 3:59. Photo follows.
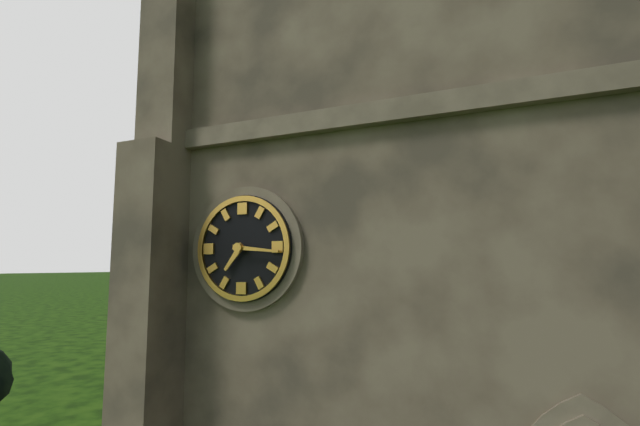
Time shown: 7:16
